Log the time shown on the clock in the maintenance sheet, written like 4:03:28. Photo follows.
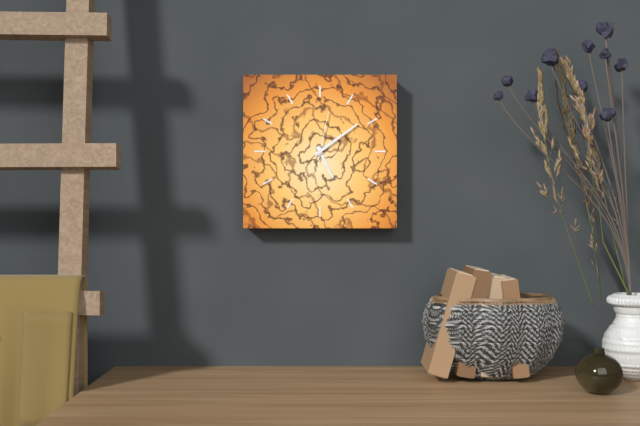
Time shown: 5:09:02
